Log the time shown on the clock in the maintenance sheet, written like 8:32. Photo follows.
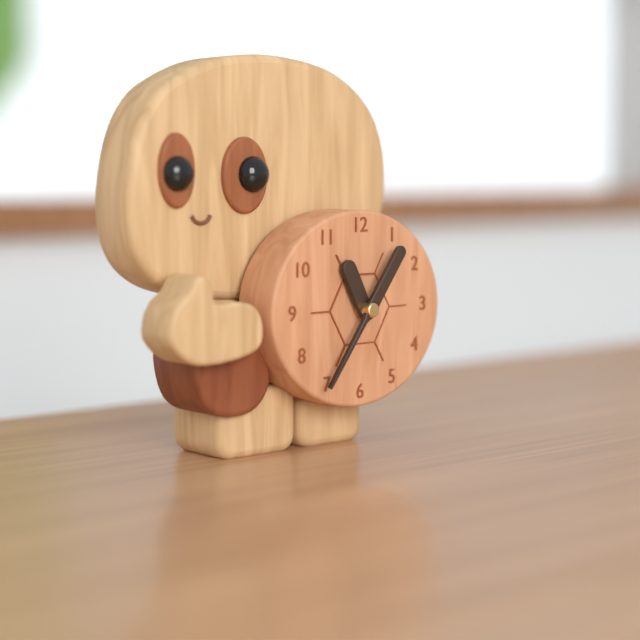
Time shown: 11:06
